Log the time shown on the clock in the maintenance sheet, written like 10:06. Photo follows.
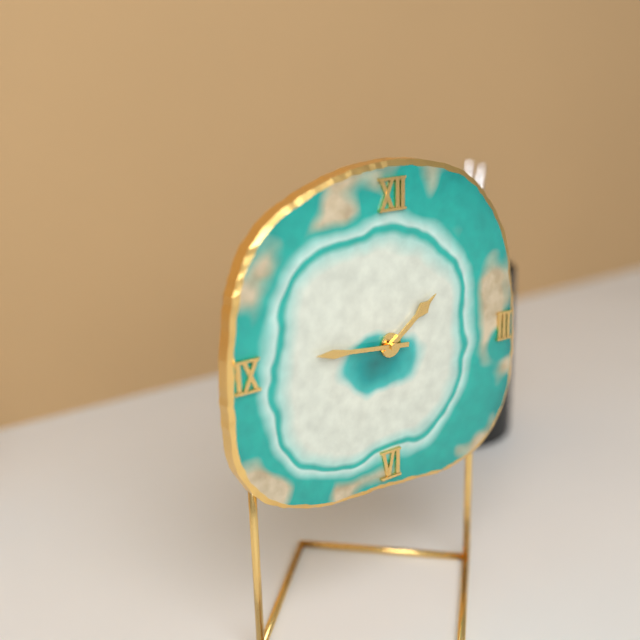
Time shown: 1:46
